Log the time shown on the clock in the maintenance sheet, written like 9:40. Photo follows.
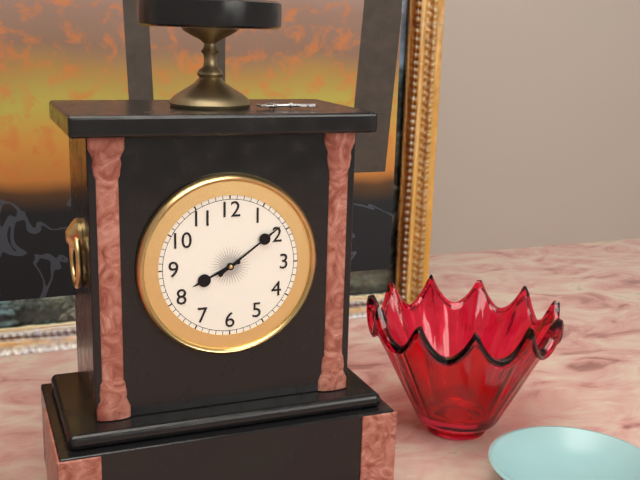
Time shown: 8:09
